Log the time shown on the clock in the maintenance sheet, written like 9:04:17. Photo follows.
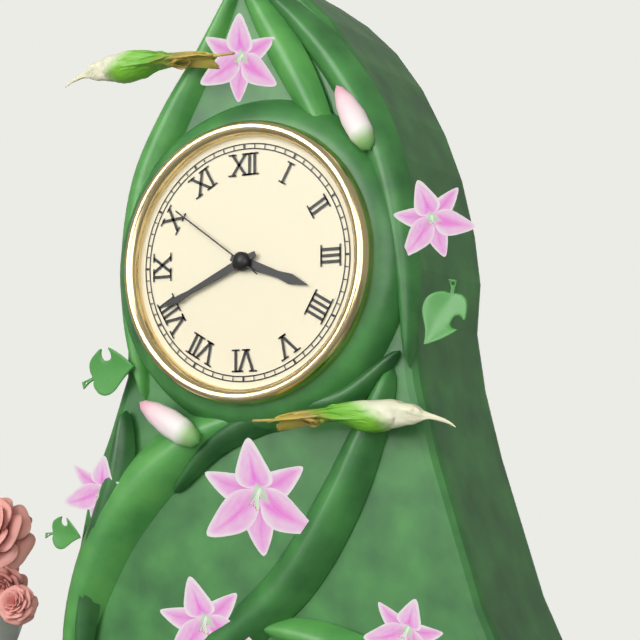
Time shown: 3:41:51
